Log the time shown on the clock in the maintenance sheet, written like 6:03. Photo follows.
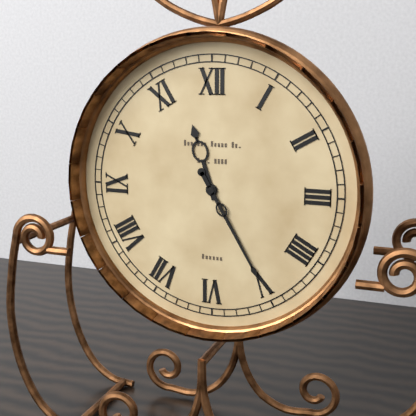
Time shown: 11:25
